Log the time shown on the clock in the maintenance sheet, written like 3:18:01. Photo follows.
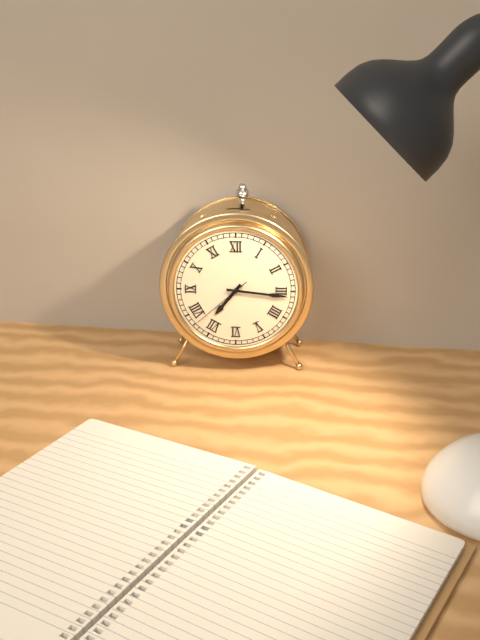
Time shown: 7:16:38
